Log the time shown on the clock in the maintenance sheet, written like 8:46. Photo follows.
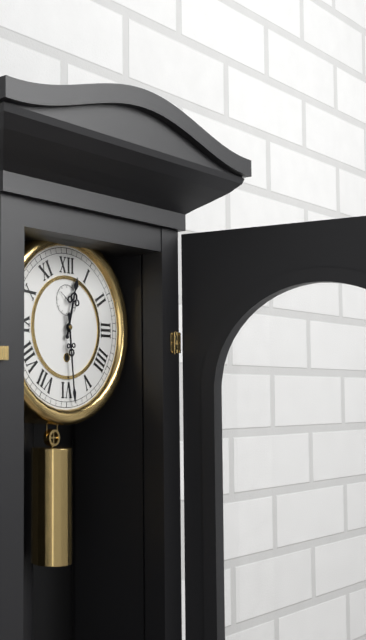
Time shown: 12:29
